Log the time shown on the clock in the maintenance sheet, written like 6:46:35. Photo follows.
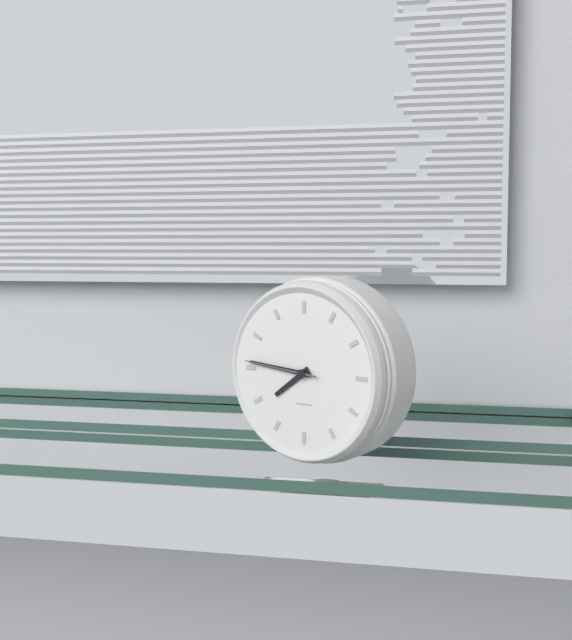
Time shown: 7:46:46
